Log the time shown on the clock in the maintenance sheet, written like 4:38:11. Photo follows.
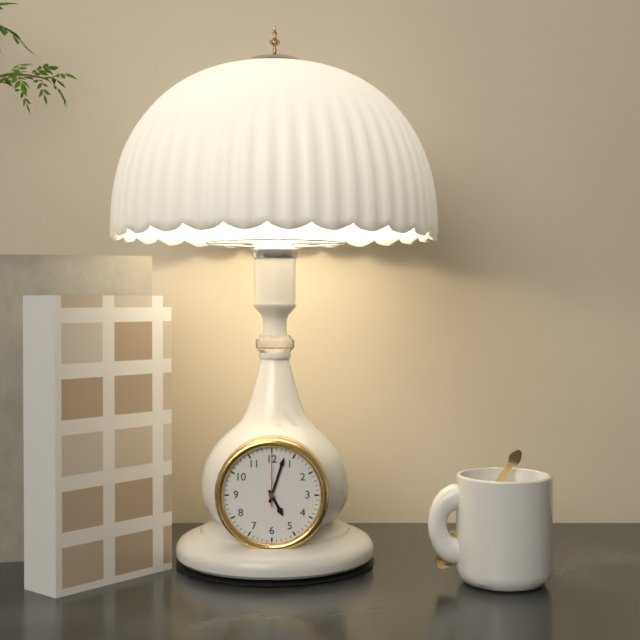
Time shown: 5:03:00
